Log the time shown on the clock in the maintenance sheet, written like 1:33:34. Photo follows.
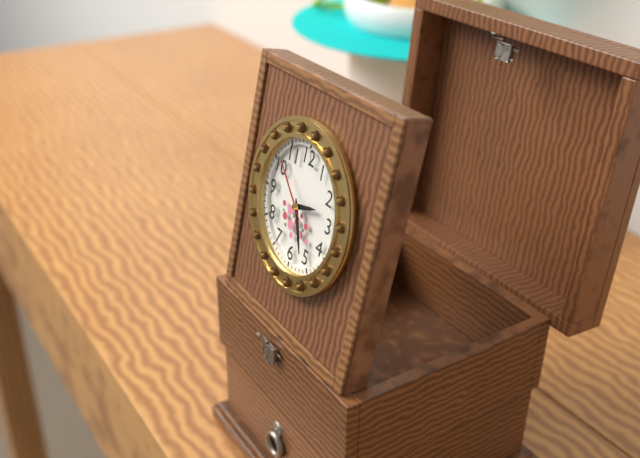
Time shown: 2:26:52
